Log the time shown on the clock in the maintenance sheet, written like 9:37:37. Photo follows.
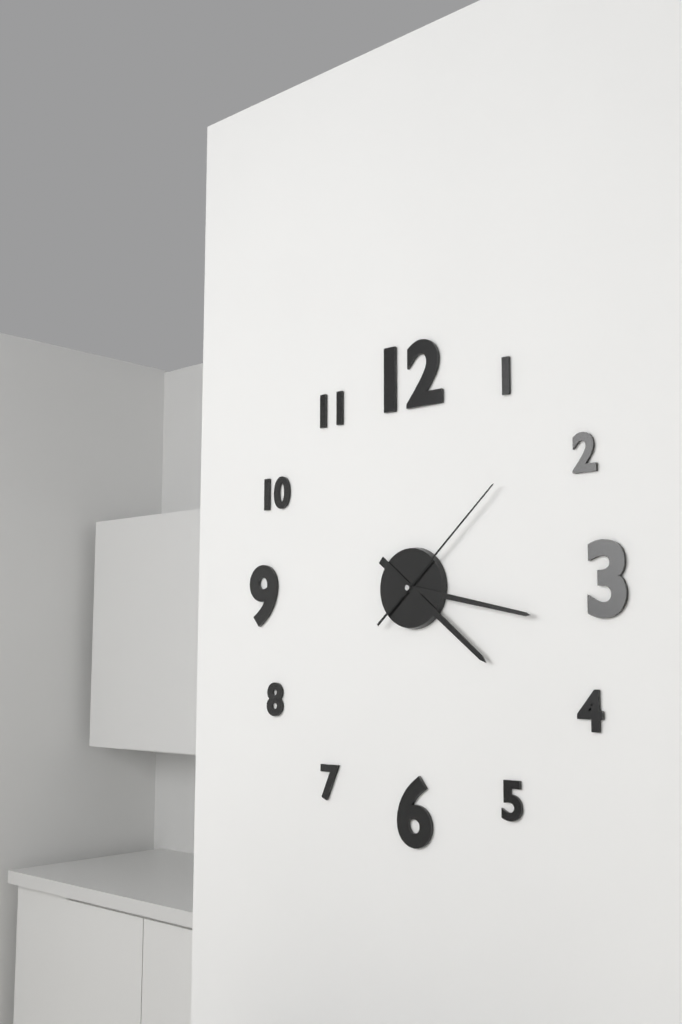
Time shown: 4:17:08
